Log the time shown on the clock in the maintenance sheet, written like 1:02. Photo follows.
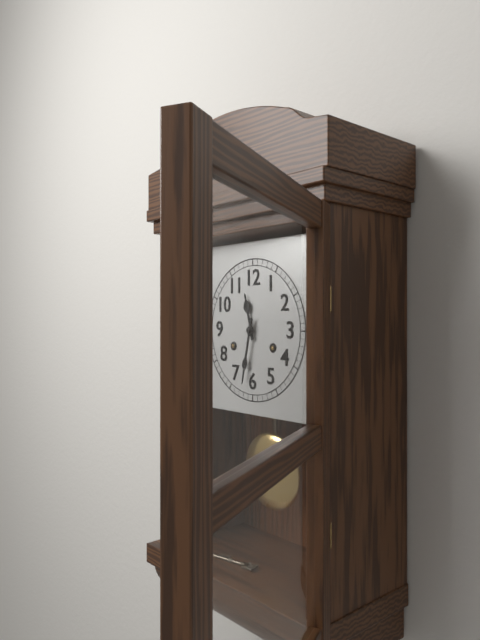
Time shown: 11:32
